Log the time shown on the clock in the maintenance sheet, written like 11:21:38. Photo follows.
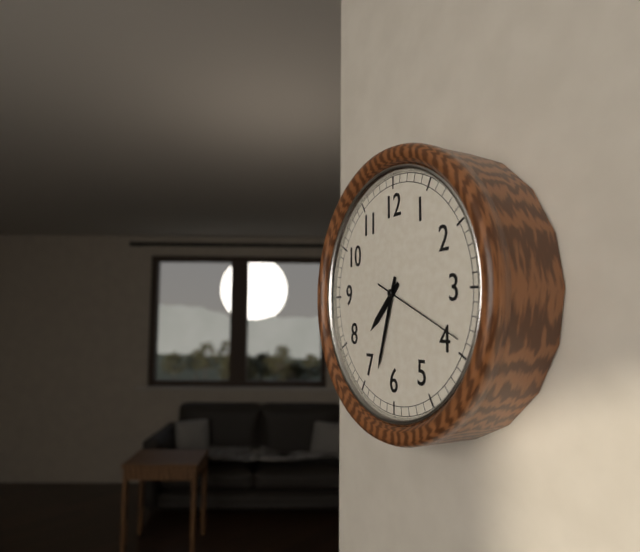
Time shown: 7:33:19
